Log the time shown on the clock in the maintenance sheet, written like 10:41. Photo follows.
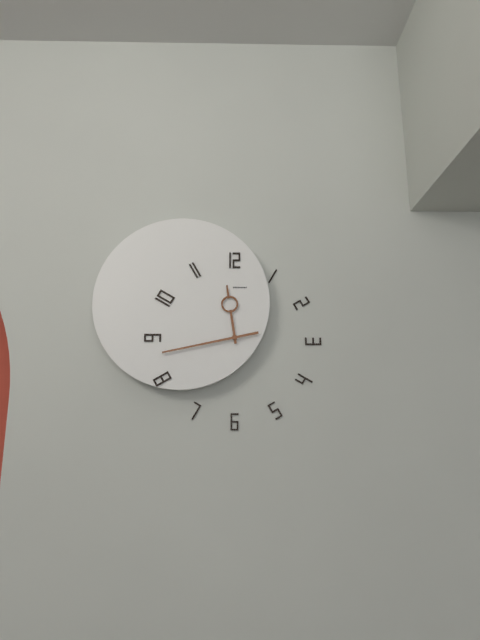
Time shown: 11:43
